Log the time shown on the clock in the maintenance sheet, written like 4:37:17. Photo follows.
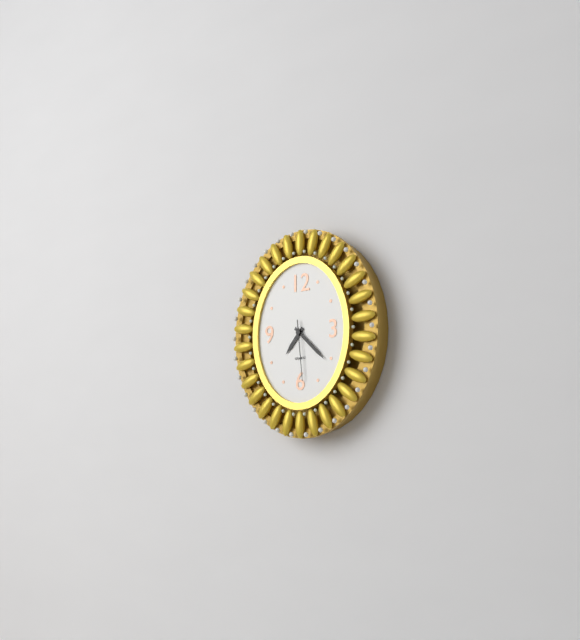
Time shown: 7:22:29
